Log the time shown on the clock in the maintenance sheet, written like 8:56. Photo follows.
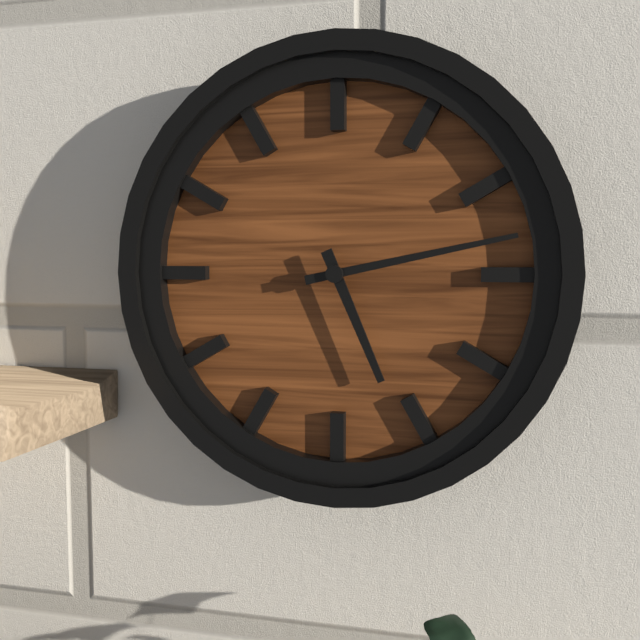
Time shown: 5:13
